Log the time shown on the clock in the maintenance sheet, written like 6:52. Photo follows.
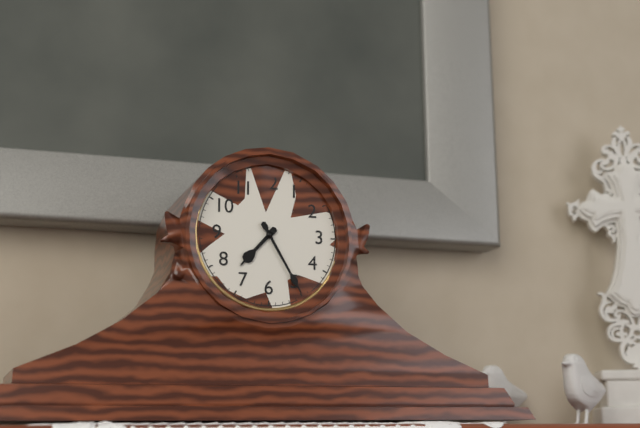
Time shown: 7:25
